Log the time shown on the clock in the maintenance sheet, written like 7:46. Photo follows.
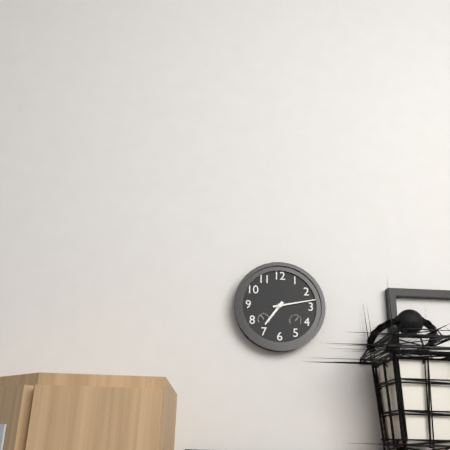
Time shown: 7:13
